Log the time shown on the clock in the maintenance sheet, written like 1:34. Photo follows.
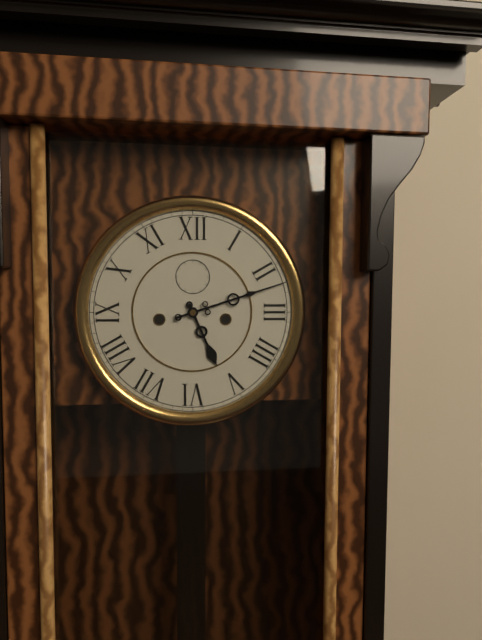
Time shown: 5:12
